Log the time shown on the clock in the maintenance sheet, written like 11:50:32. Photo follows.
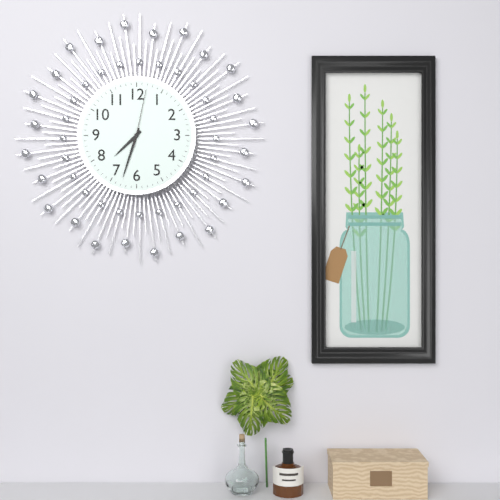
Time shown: 7:33:02
